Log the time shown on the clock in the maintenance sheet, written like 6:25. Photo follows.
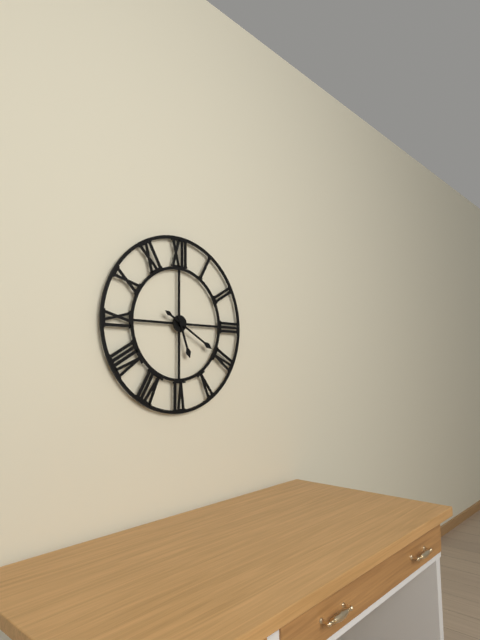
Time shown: 5:20
